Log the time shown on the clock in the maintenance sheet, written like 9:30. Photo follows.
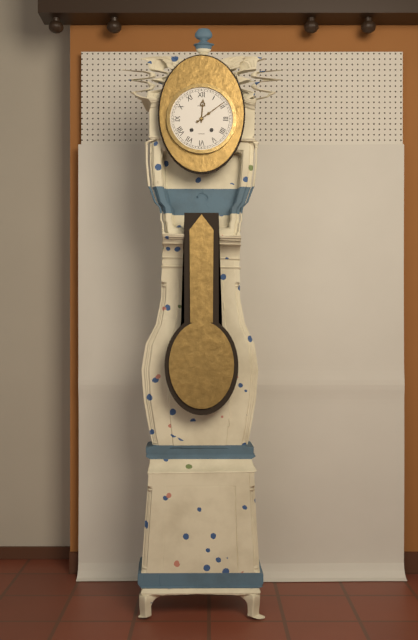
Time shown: 12:09
